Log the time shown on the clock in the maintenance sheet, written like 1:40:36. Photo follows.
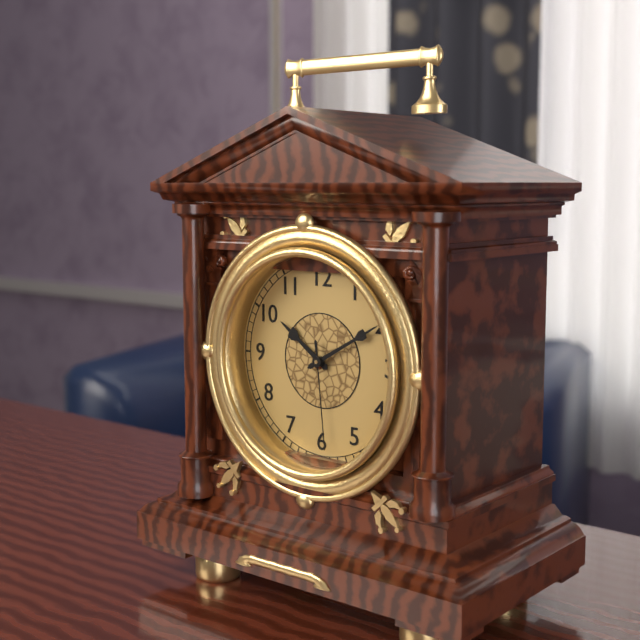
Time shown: 10:10:29
